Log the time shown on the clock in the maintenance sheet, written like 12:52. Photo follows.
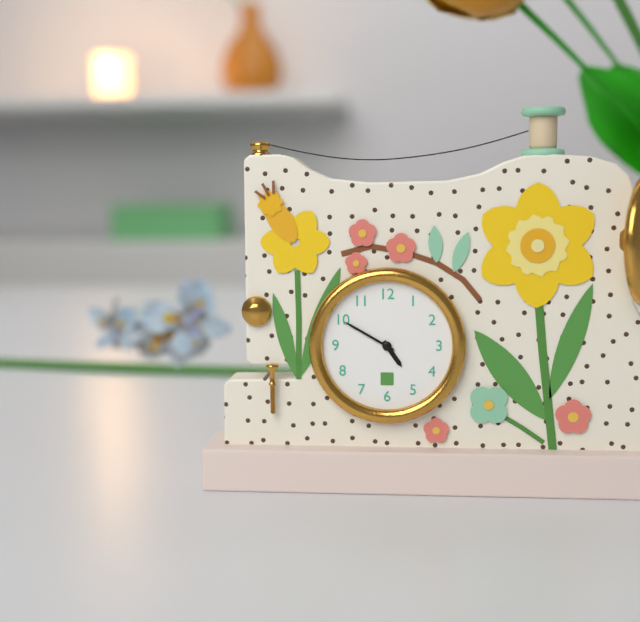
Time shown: 4:50
